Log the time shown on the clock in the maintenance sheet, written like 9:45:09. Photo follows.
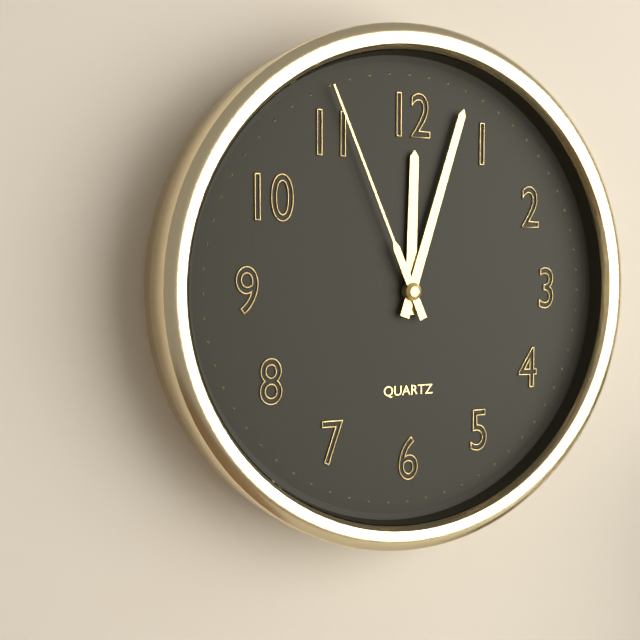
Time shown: 12:03:56
